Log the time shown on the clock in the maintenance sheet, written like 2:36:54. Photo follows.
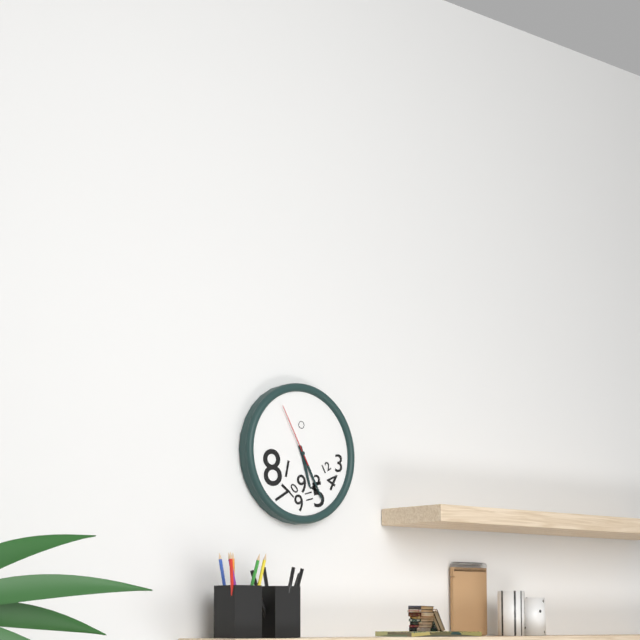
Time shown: 5:25:55
